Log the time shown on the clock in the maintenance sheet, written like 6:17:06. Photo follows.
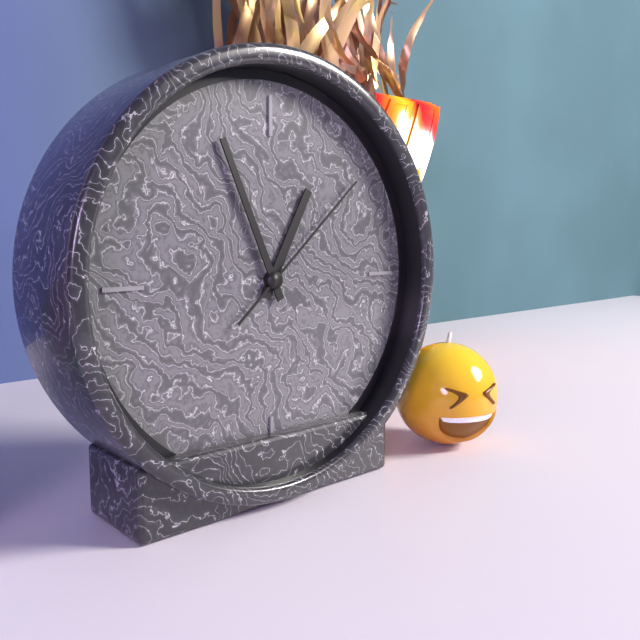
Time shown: 12:56:08
